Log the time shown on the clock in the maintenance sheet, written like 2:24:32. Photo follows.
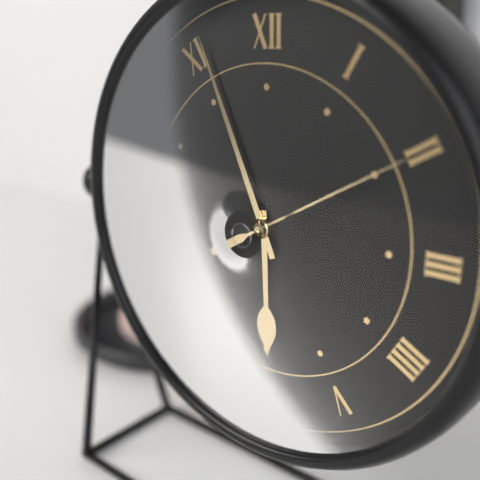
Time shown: 5:56:10
